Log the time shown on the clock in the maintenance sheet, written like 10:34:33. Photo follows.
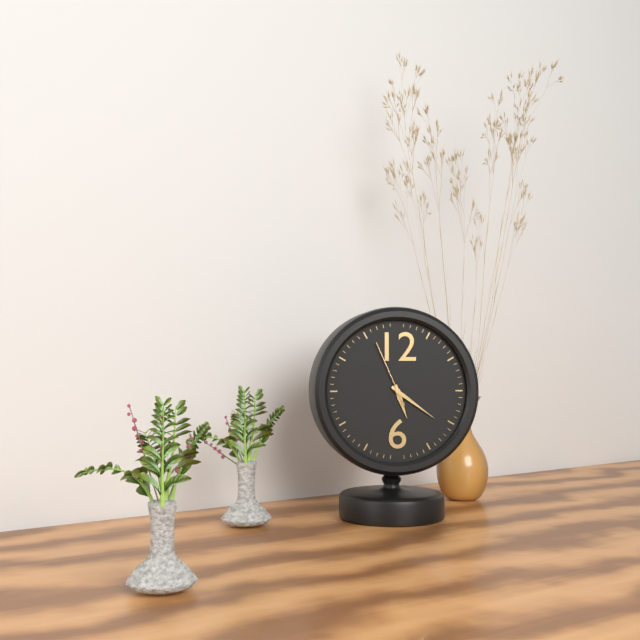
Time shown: 5:21:56
